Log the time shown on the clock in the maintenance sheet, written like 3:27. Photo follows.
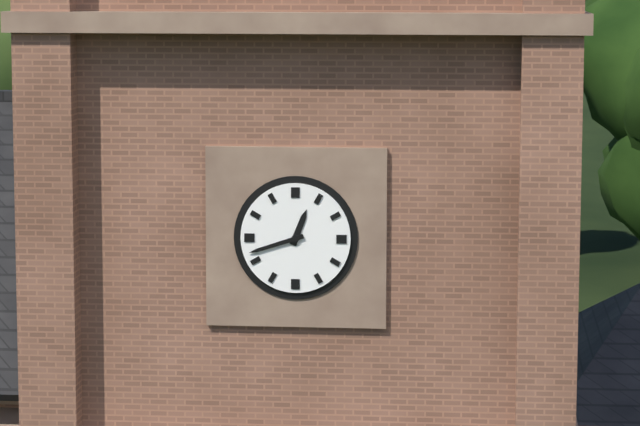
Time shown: 12:42
